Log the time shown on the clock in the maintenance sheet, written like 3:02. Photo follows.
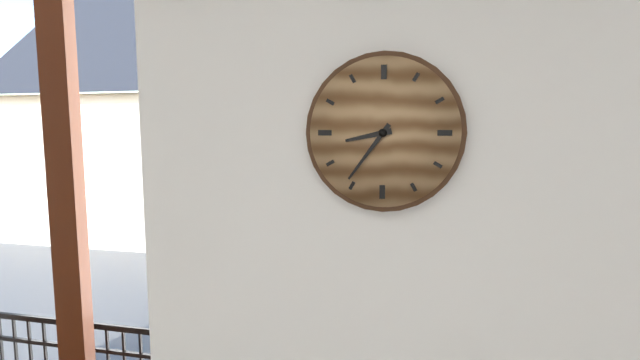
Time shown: 8:36
